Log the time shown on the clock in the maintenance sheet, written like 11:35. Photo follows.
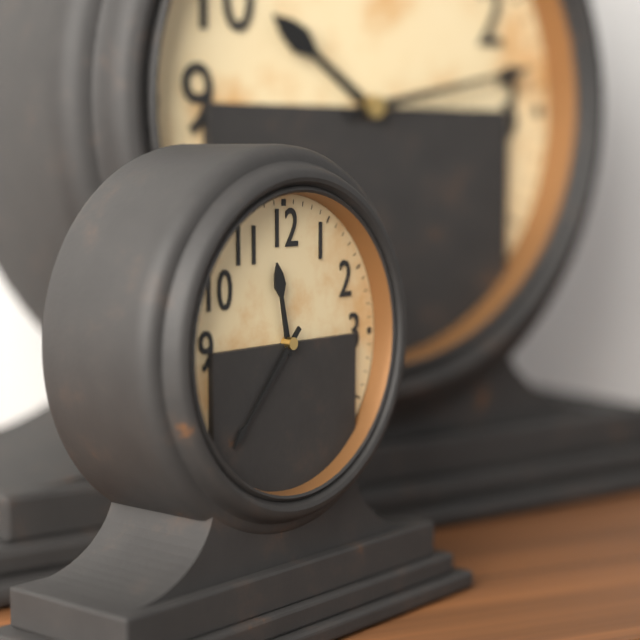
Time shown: 11:37
